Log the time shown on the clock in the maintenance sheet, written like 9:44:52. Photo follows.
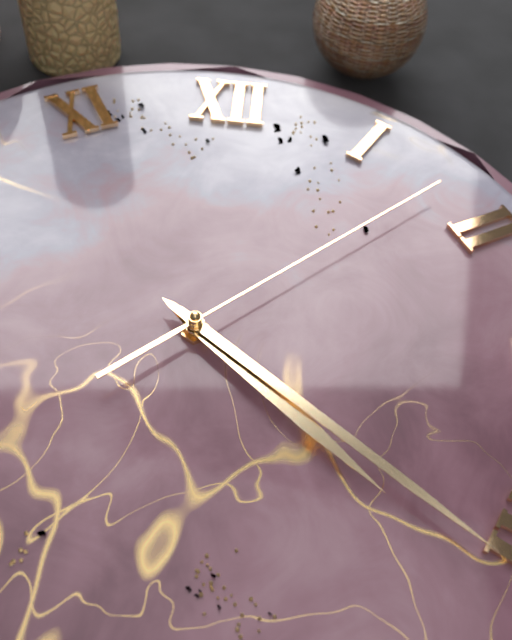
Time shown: 4:21:08
